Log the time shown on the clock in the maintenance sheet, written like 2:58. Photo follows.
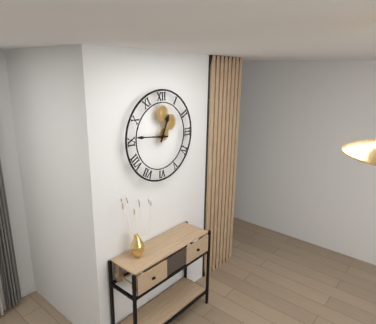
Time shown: 12:46
